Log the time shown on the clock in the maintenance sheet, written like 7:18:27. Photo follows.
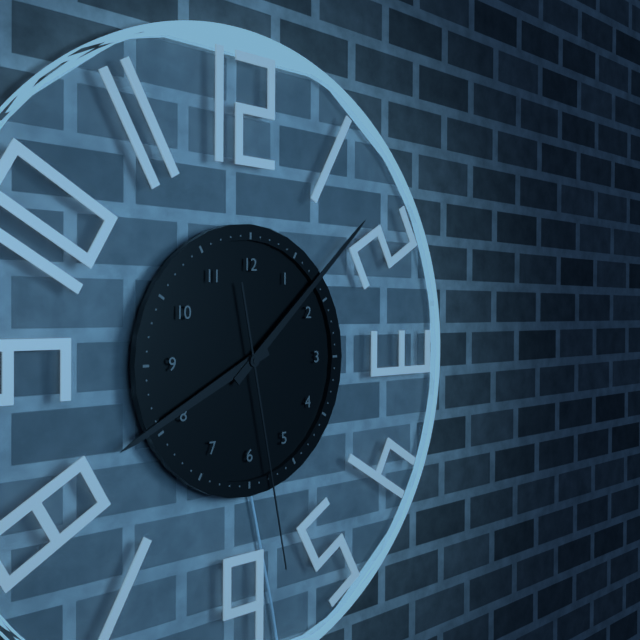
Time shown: 8:08:28
